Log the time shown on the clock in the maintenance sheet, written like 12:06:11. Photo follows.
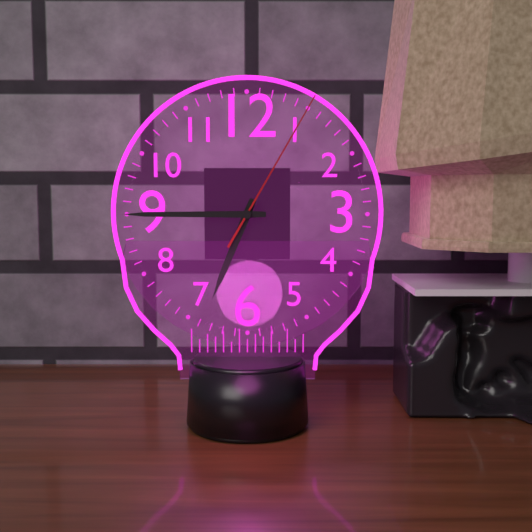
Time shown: 6:45:05
